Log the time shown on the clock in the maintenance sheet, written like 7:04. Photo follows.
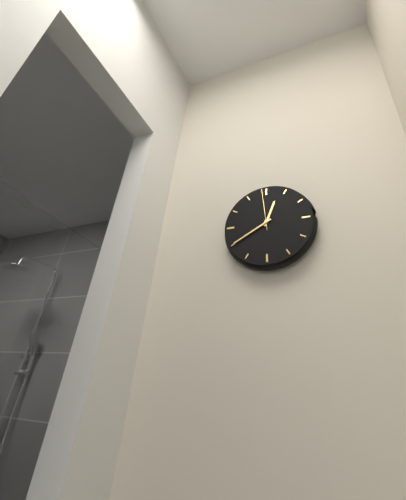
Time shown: 12:40
